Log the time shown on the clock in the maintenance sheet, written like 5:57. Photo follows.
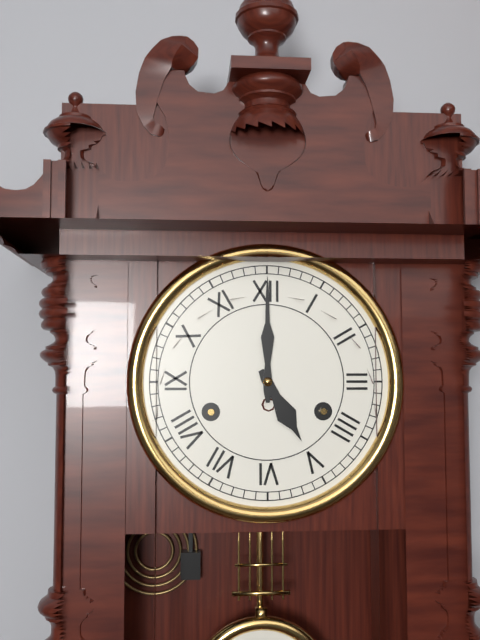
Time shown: 5:00
